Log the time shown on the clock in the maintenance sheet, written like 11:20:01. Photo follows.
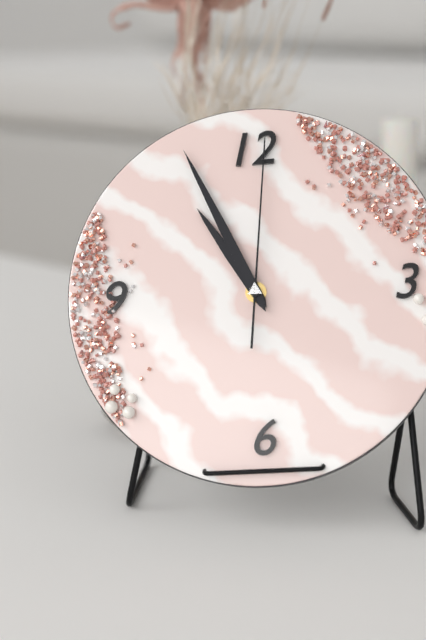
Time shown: 10:56:01
